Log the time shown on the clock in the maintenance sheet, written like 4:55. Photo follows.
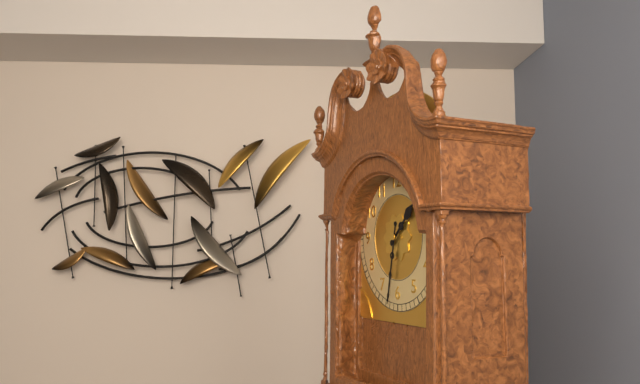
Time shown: 1:32
